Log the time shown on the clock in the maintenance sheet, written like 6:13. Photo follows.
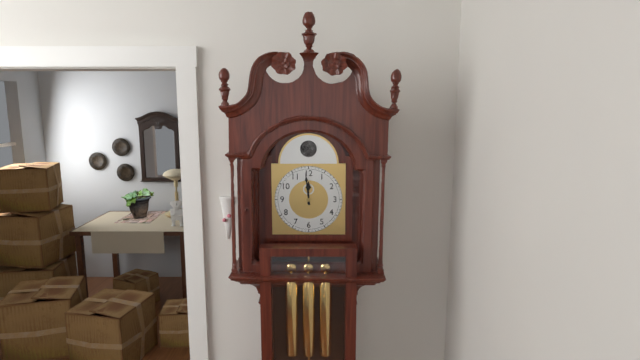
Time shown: 11:59
